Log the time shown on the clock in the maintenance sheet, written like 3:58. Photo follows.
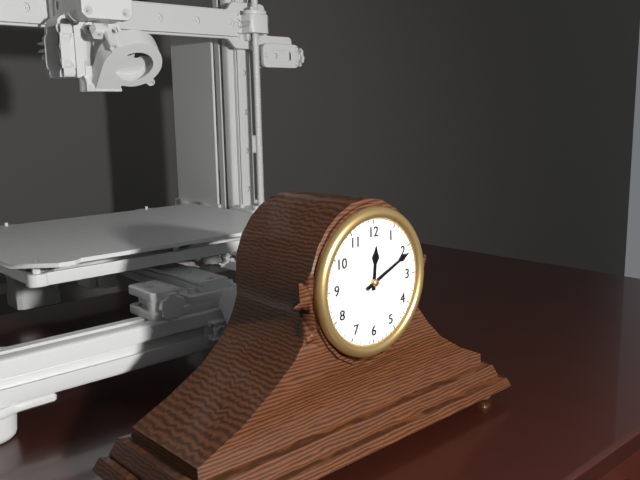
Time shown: 12:11
